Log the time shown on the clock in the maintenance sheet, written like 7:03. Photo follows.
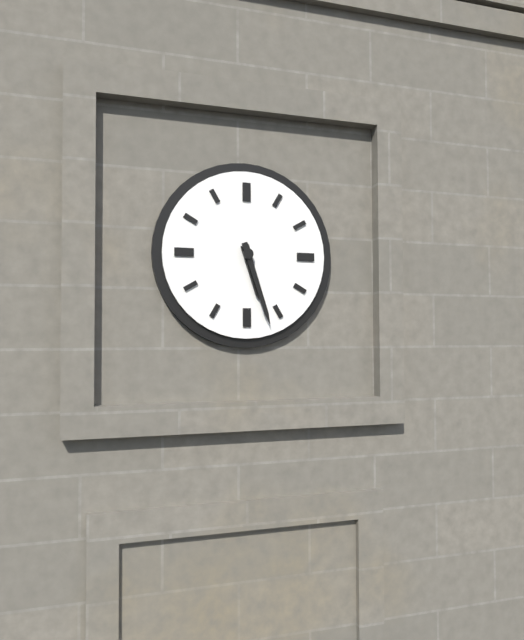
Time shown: 5:27
